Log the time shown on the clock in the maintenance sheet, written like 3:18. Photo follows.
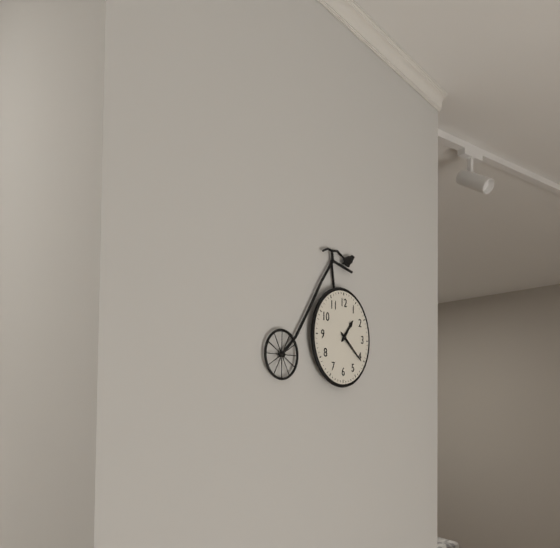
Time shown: 1:21
